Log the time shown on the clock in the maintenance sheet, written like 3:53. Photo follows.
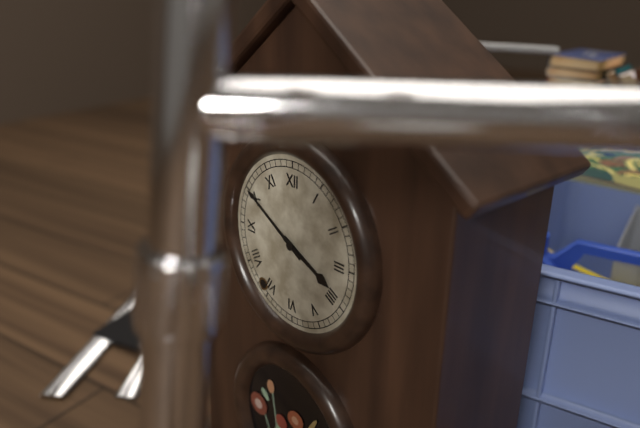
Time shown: 3:50
